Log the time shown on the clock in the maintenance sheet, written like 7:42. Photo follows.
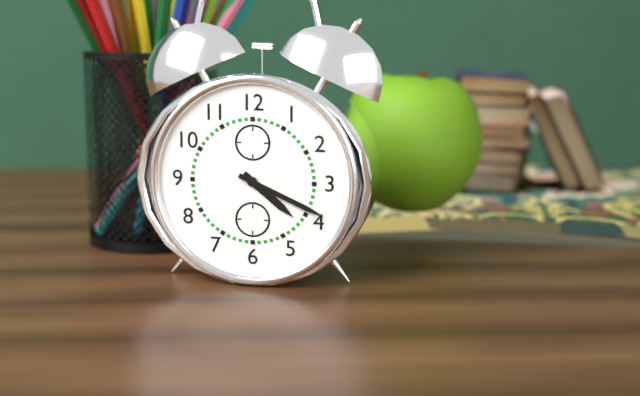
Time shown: 4:19
